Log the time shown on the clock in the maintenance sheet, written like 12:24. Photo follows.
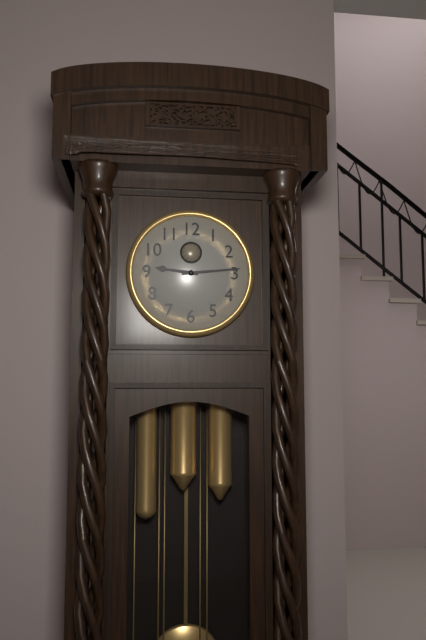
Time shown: 9:14
